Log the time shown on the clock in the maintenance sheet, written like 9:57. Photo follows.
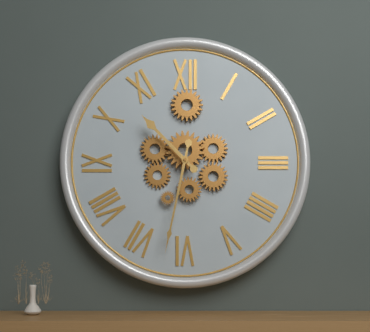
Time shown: 10:32
